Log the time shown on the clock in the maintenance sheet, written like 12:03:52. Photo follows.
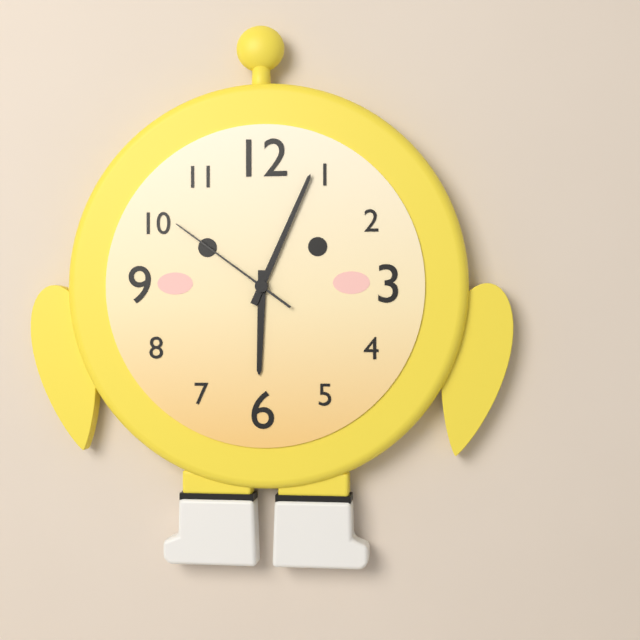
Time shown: 6:04:51
